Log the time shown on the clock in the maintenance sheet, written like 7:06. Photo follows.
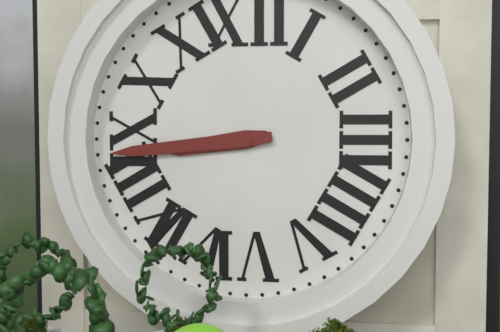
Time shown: 8:44
